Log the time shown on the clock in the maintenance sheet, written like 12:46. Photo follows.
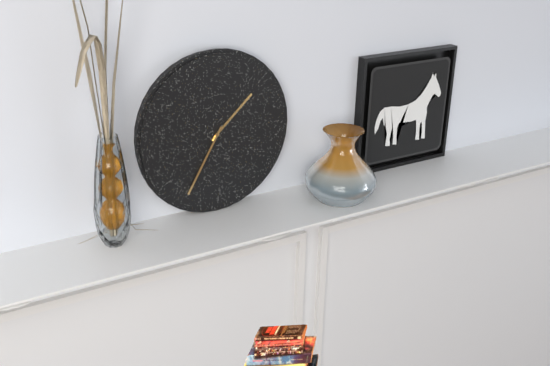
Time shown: 1:35
